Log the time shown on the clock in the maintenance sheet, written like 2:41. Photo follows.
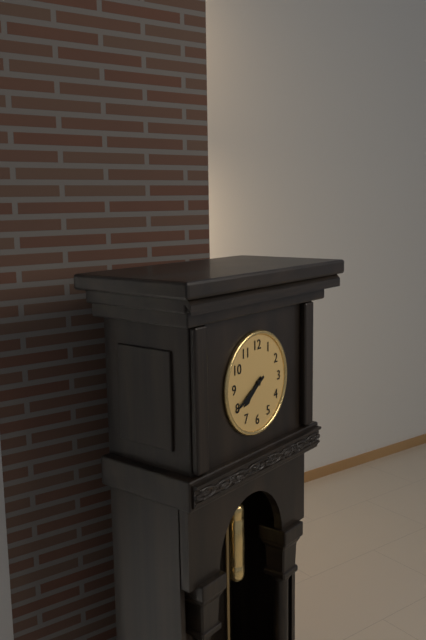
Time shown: 7:40
